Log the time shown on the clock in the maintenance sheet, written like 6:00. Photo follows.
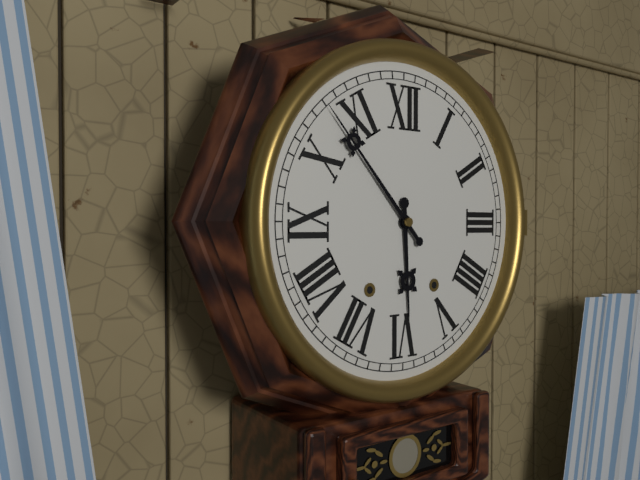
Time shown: 5:53
